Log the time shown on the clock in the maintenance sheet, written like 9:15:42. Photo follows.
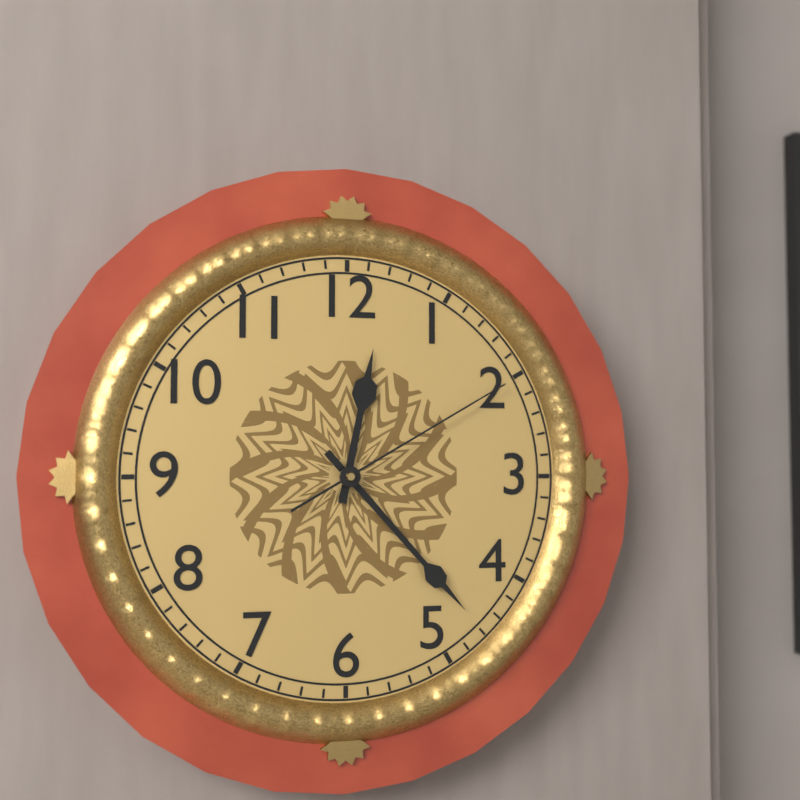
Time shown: 12:23:10
